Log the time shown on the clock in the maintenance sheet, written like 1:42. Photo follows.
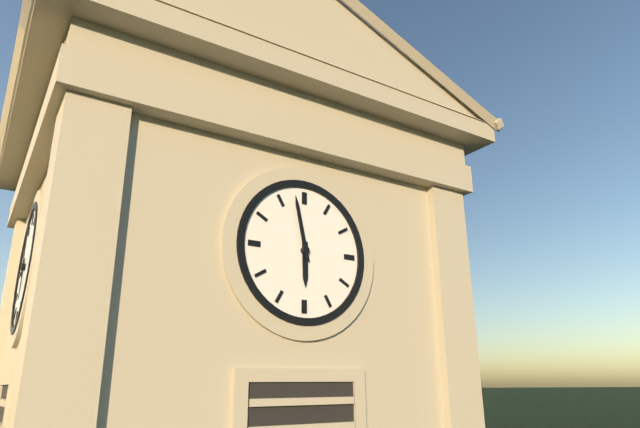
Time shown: 5:58
